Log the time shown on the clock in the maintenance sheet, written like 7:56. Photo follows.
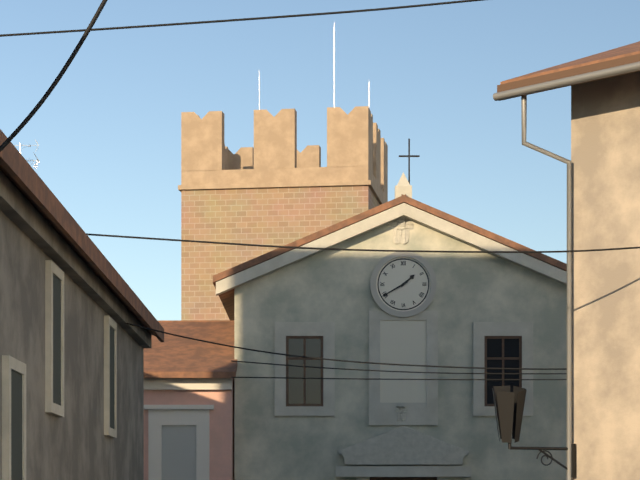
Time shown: 1:40
